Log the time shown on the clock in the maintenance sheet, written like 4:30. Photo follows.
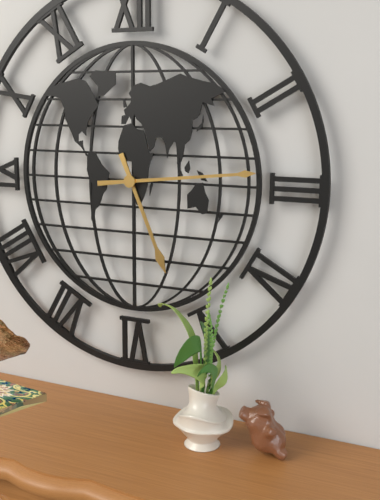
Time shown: 5:14
